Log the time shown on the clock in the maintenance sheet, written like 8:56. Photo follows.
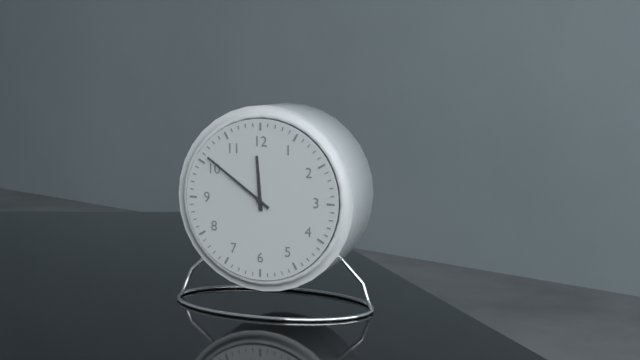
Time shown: 11:51
